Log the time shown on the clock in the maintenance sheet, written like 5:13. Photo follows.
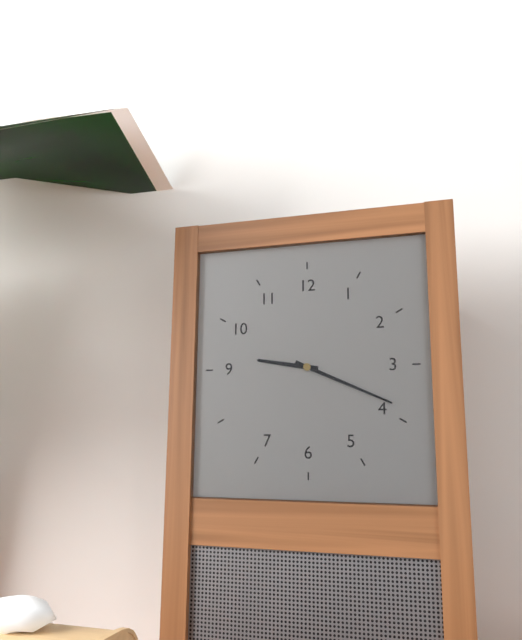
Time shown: 9:19
